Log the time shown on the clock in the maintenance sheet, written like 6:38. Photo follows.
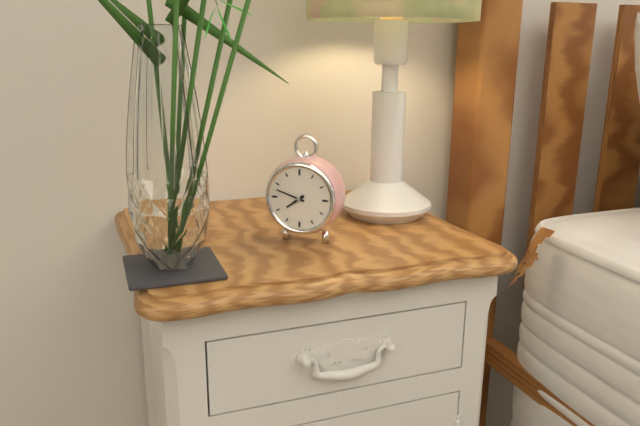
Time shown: 7:48
